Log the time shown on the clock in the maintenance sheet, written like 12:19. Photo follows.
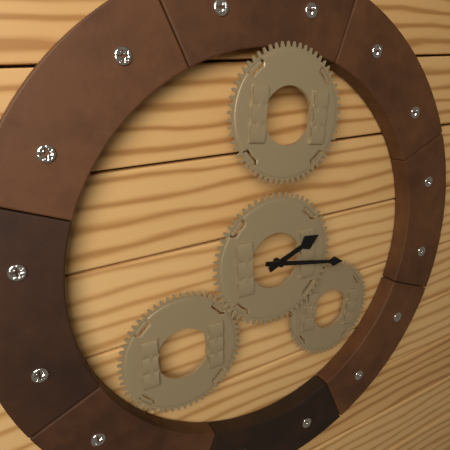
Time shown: 2:17
